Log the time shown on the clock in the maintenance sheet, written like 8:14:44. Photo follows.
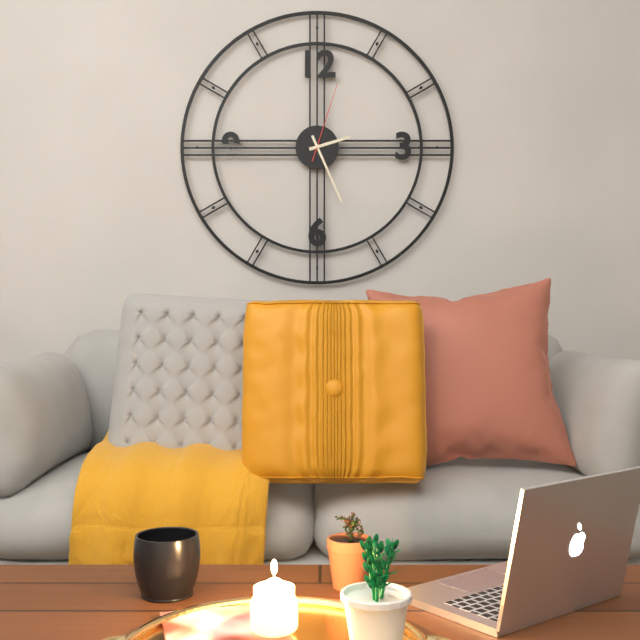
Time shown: 2:26:03
